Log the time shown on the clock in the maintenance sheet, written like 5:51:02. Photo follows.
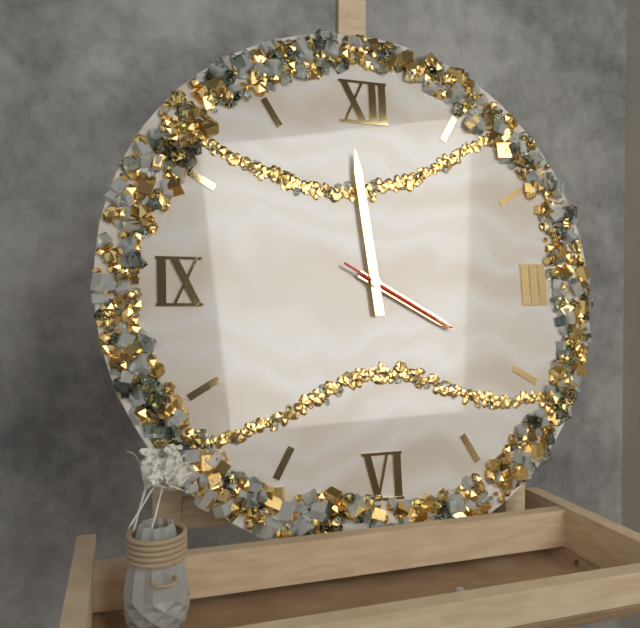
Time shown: 3:59:20
